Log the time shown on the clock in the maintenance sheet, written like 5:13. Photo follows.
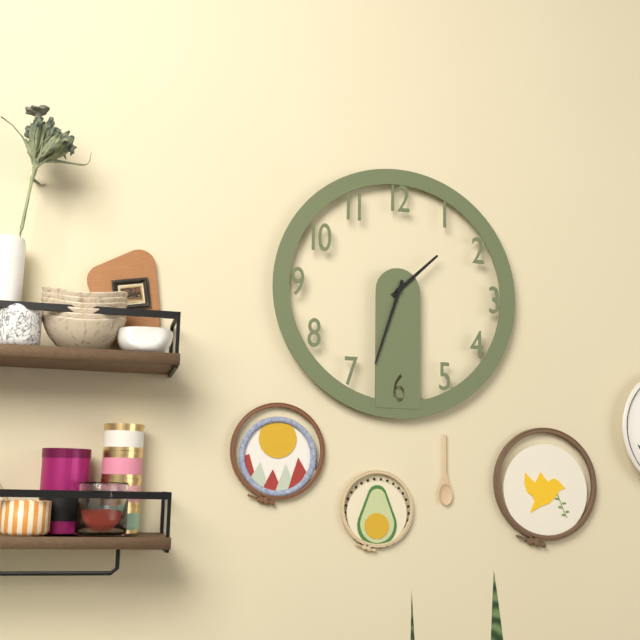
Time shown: 1:33
